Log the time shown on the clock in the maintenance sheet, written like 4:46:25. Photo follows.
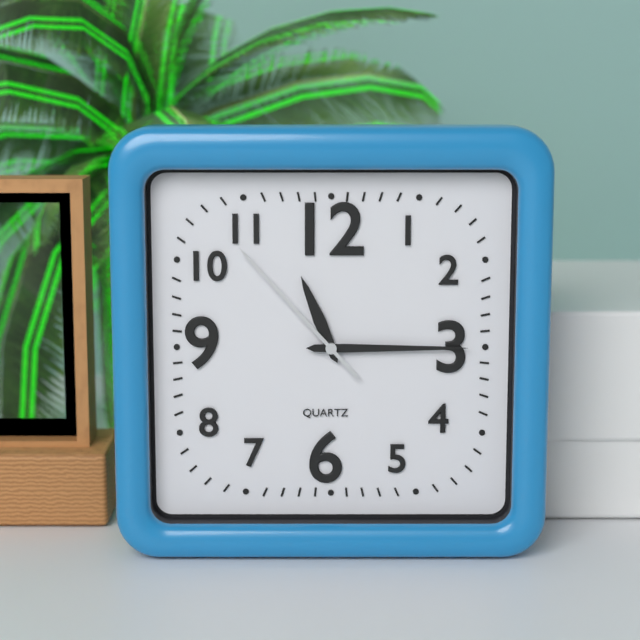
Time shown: 11:15:53
